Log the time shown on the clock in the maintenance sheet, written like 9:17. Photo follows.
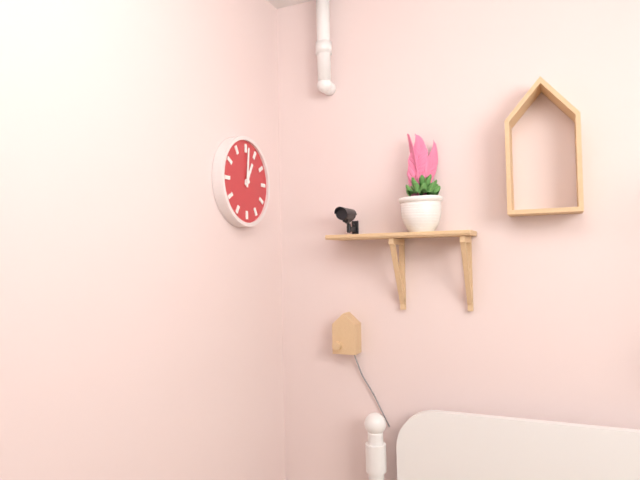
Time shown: 1:01
